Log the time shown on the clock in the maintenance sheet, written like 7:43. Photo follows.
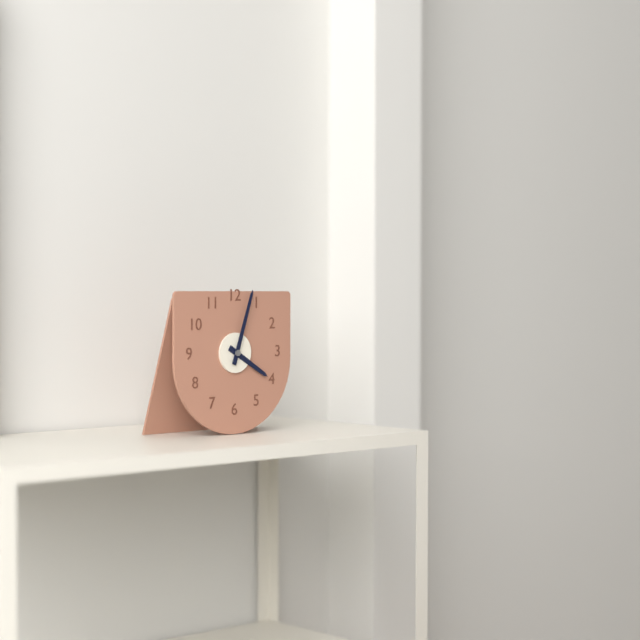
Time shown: 4:03
